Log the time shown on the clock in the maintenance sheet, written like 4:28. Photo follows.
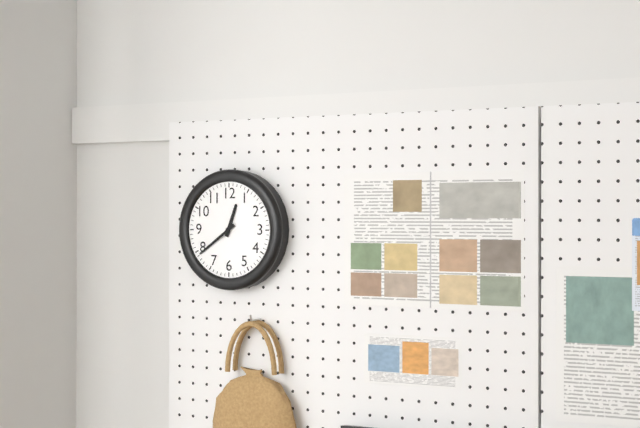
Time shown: 12:39
